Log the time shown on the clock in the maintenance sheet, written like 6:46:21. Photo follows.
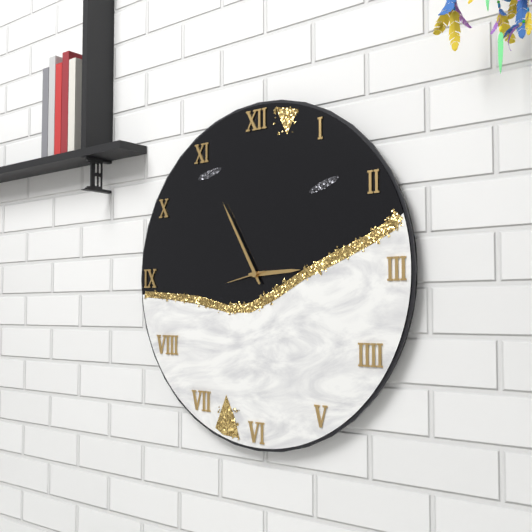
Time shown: 2:55:43
